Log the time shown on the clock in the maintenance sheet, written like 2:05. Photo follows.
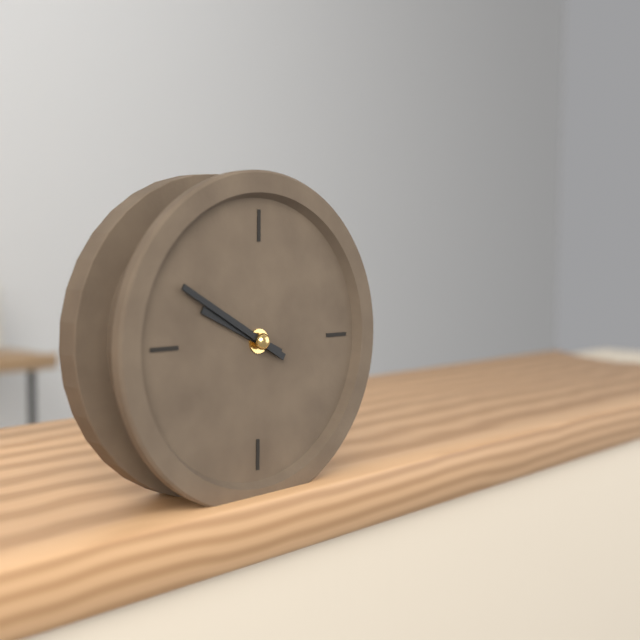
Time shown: 9:50
